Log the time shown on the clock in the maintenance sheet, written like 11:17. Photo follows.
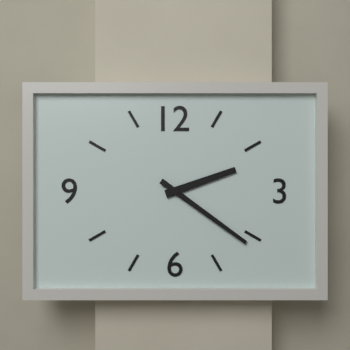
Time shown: 2:21
